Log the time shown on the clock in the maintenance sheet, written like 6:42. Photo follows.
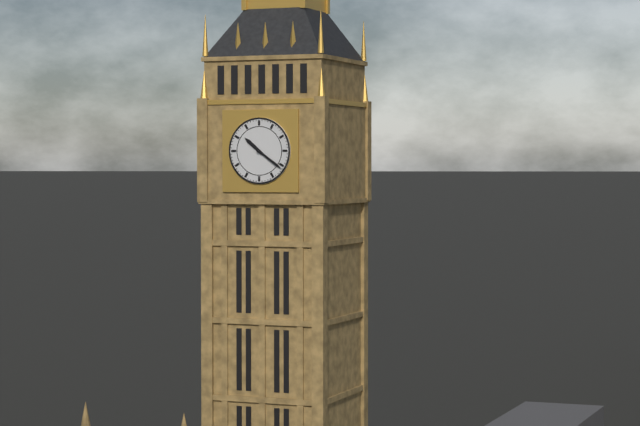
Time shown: 10:21
